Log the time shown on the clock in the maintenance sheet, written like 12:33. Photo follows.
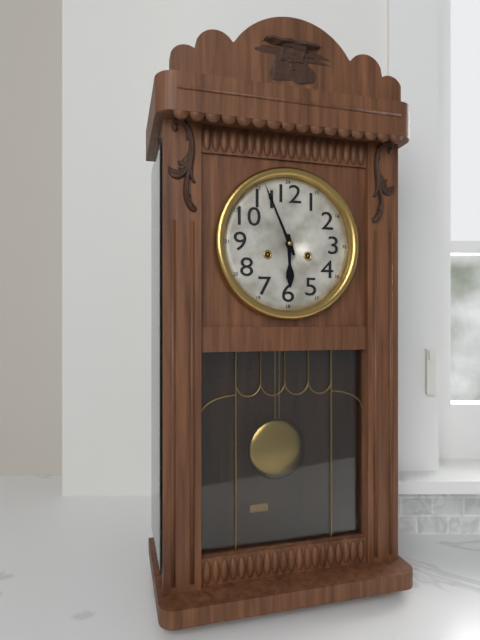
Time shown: 5:56
